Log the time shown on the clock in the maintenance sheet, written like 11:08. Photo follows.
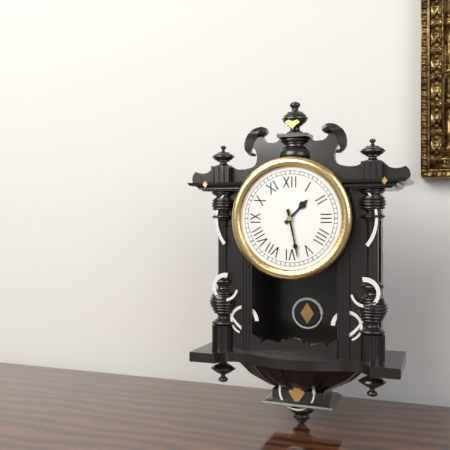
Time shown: 1:28
